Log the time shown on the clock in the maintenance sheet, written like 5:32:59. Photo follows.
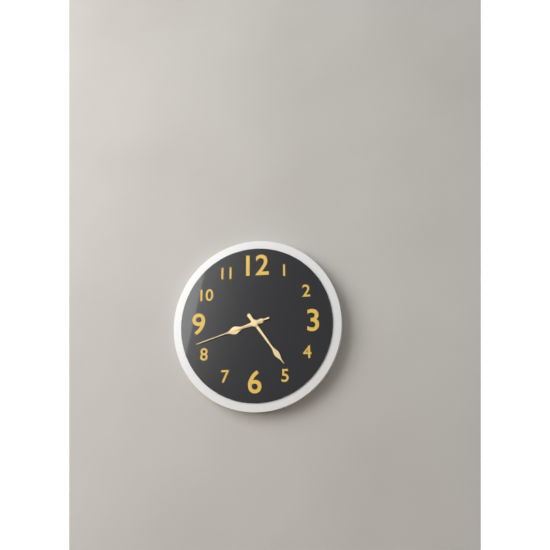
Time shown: 8:24:42
